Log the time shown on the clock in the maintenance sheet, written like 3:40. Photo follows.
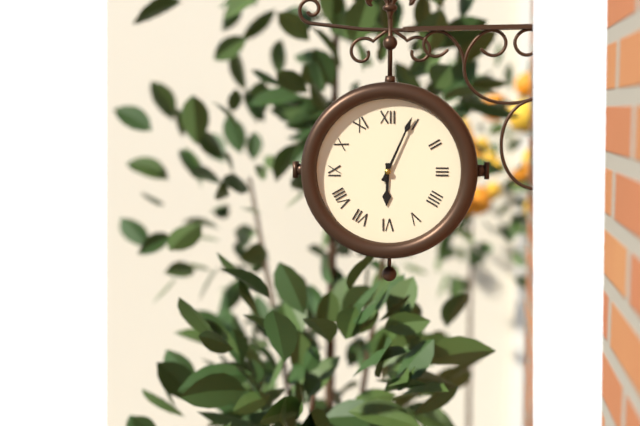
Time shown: 6:04
